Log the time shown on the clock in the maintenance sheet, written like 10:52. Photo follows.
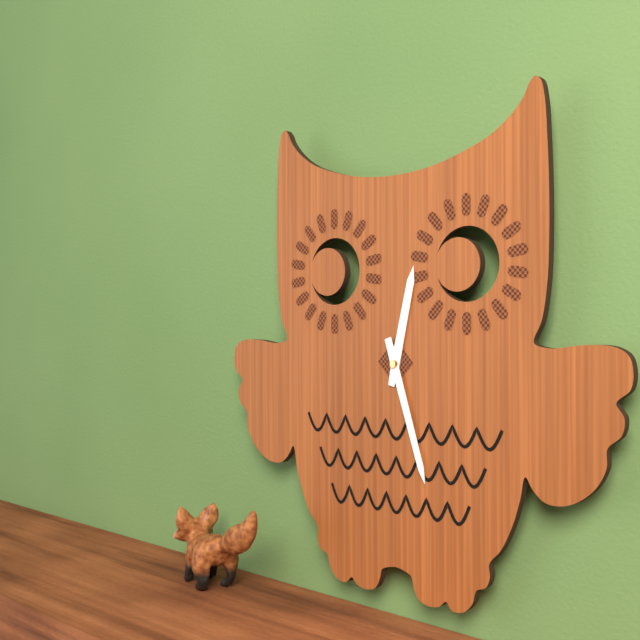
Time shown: 12:27
